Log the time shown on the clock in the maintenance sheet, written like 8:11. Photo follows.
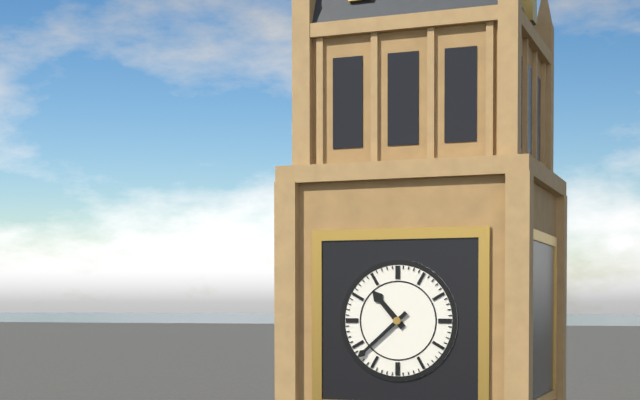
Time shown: 10:38
